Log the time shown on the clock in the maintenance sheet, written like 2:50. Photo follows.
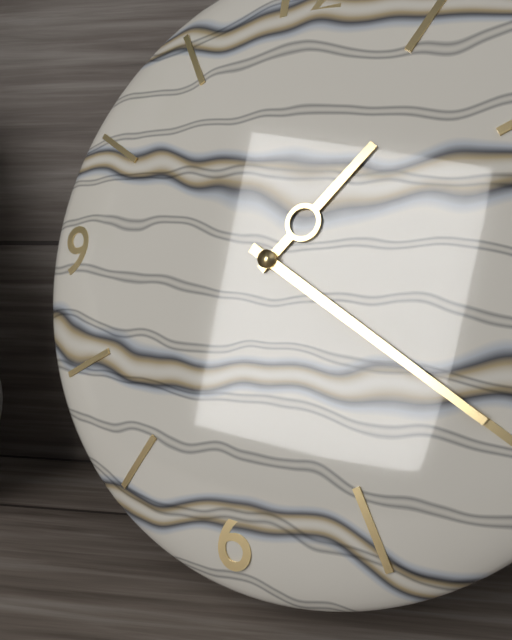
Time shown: 1:20
